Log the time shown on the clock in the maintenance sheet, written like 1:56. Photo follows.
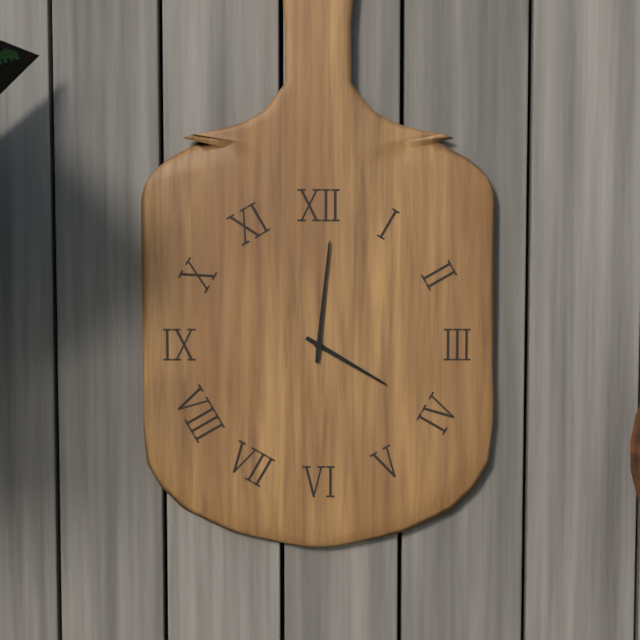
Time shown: 4:01
